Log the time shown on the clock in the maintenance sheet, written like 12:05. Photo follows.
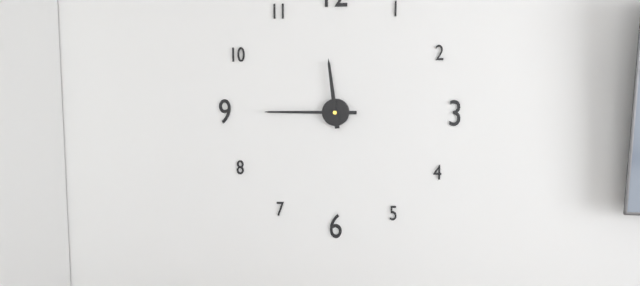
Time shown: 11:45
